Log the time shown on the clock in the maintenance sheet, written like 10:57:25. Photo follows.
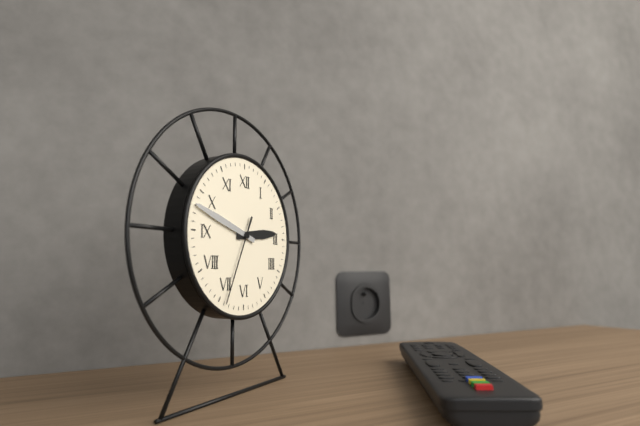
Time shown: 2:48:34
